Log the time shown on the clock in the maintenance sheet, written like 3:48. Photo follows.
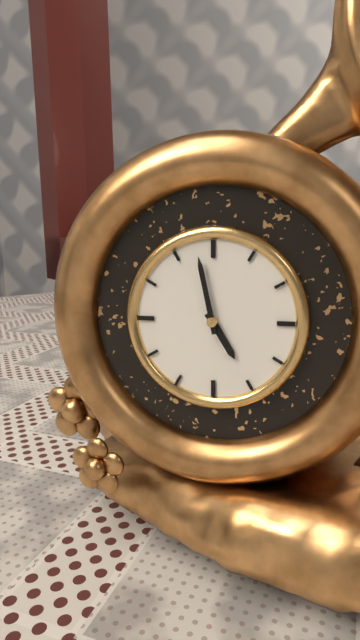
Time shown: 4:58
